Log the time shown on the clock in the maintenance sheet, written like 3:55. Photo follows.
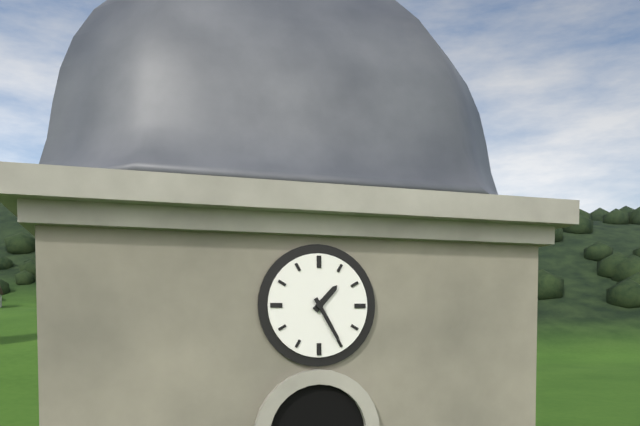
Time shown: 1:25
